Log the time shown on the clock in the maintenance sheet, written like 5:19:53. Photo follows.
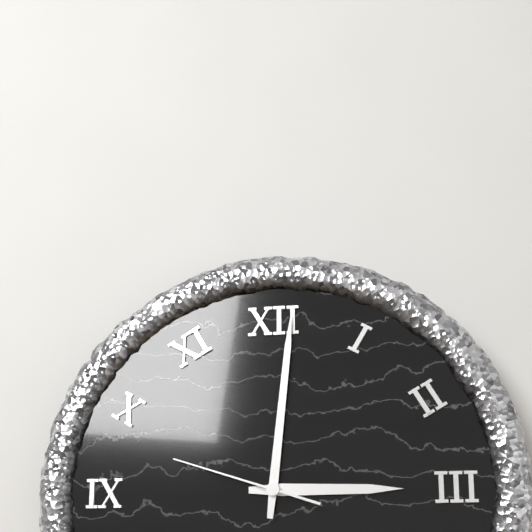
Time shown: 3:01:48
